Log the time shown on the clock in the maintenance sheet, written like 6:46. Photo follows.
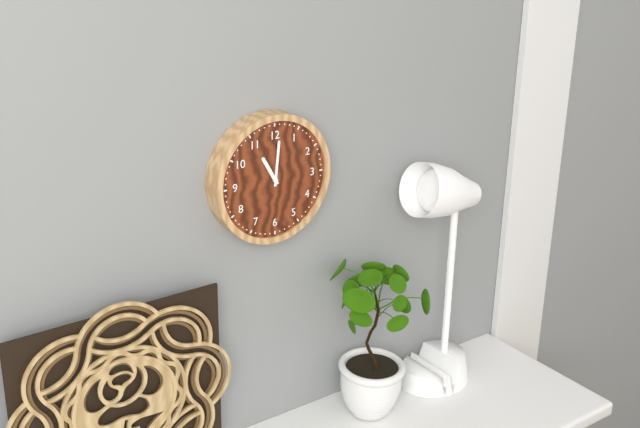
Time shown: 11:01
